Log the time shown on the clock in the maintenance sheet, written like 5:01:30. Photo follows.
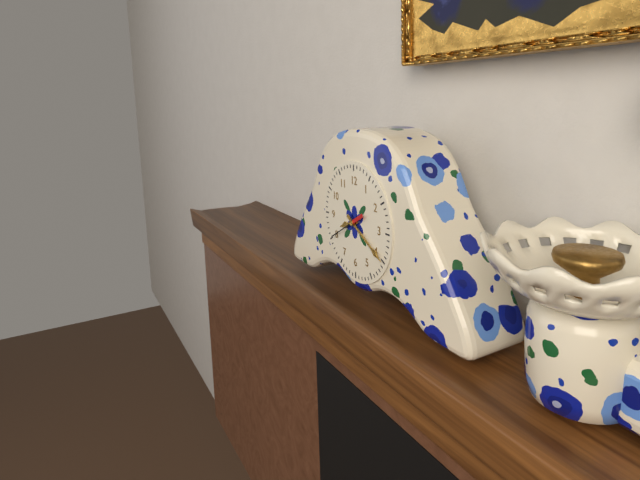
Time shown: 8:20:40
